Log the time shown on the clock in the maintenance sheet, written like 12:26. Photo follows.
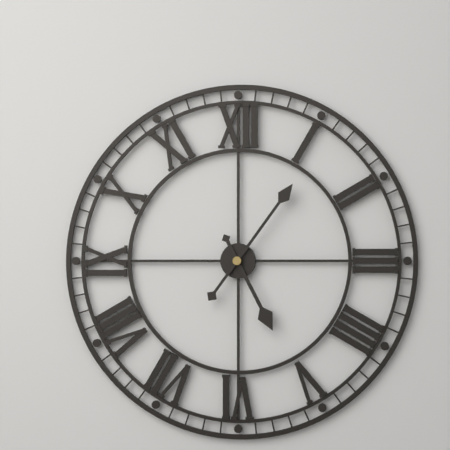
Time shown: 5:06
